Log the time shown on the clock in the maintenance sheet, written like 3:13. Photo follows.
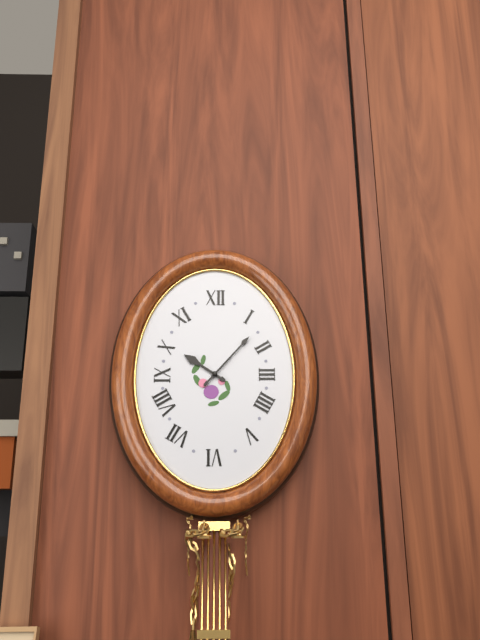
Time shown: 10:07
